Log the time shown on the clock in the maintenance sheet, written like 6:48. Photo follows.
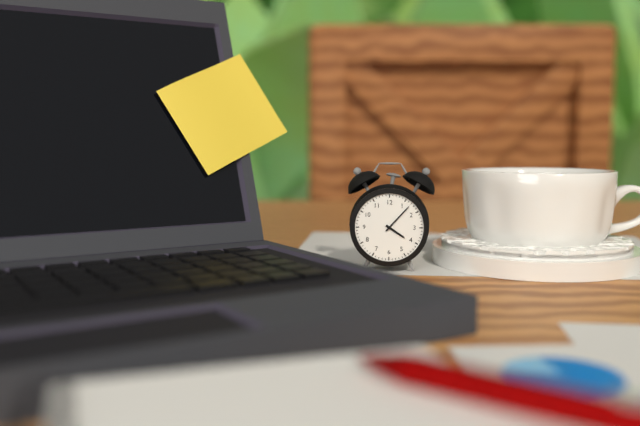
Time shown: 4:07
